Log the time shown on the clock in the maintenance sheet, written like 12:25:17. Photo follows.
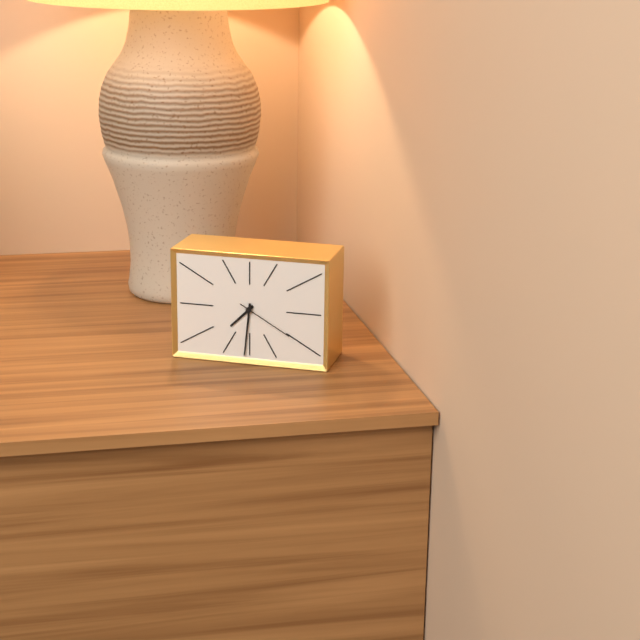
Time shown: 7:31:20
